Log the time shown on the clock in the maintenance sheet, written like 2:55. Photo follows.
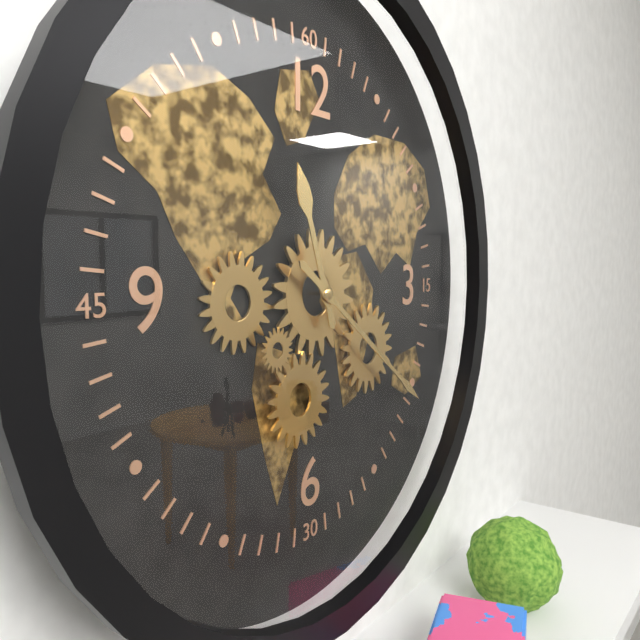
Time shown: 11:21
